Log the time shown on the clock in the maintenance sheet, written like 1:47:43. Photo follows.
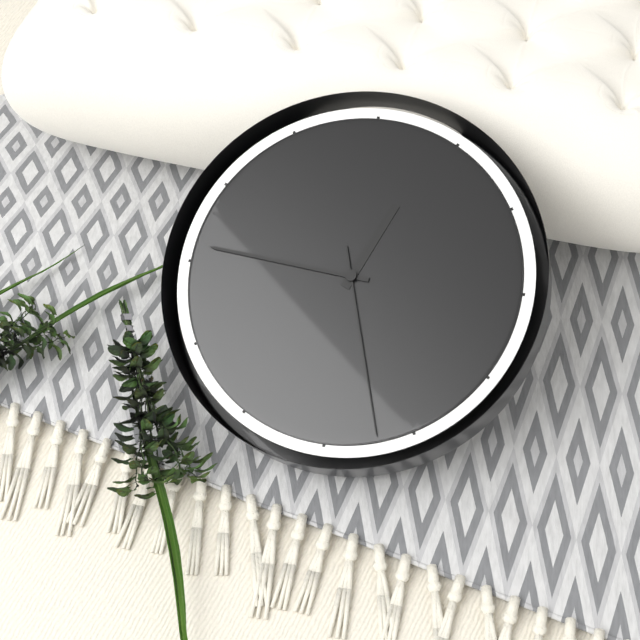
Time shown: 12:46:27
